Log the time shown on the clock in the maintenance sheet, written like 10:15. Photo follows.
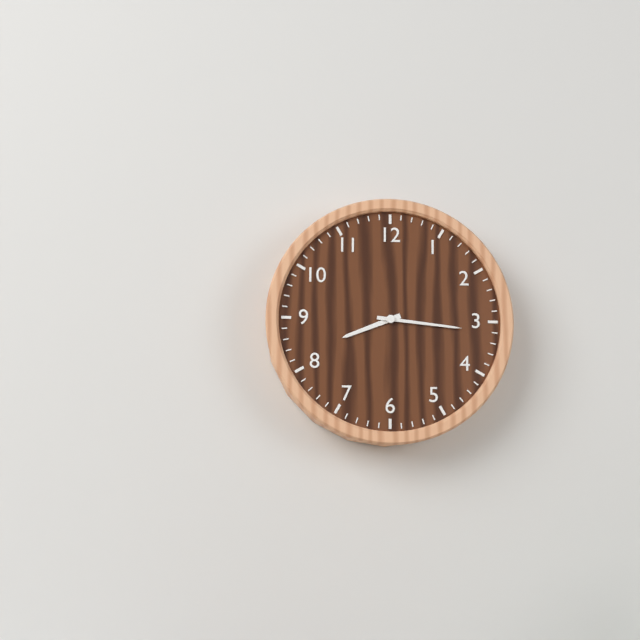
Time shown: 8:16
